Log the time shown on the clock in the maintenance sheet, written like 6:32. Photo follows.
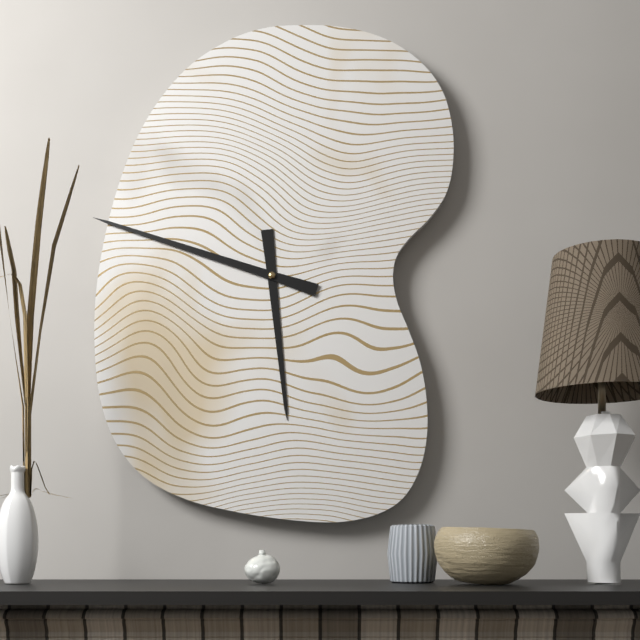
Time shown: 5:48
